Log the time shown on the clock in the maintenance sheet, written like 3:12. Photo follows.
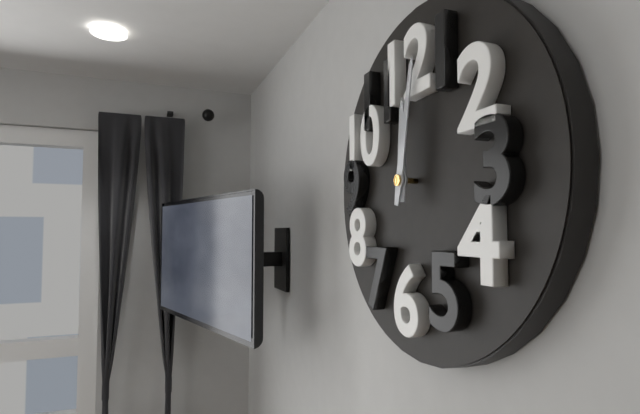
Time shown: 12:02
